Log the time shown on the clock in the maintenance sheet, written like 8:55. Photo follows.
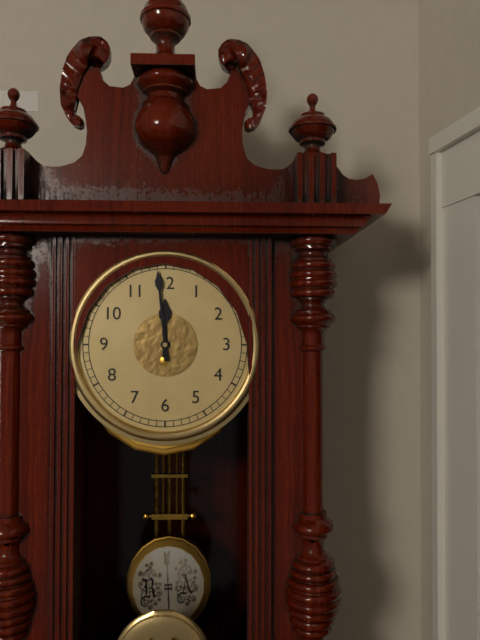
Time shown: 11:59
